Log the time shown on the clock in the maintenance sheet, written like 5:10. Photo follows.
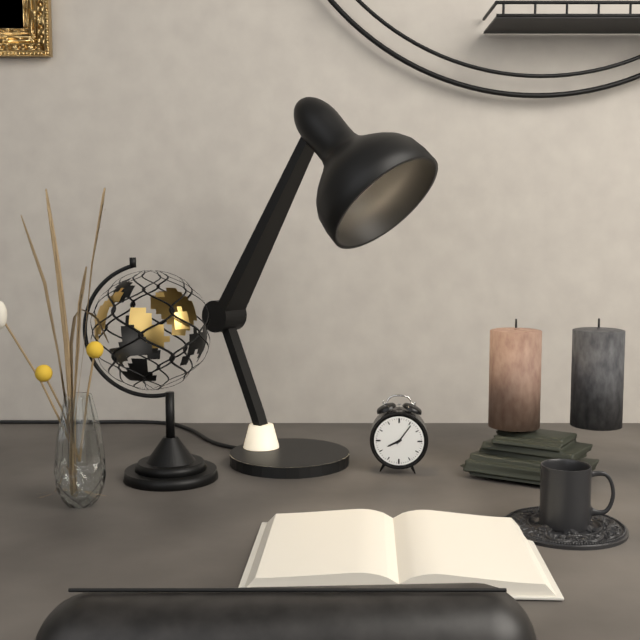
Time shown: 8:06
